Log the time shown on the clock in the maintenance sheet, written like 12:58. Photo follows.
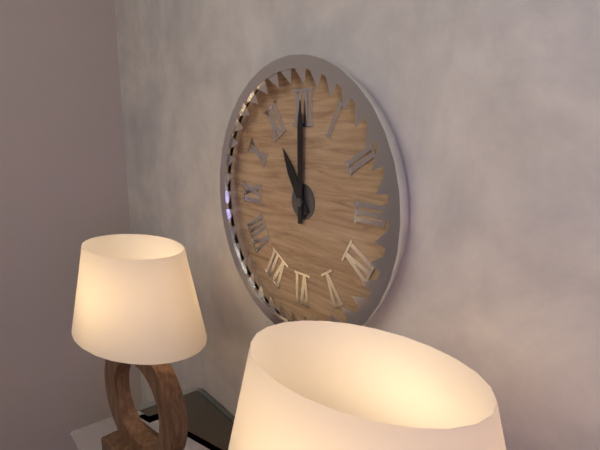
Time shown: 11:00
